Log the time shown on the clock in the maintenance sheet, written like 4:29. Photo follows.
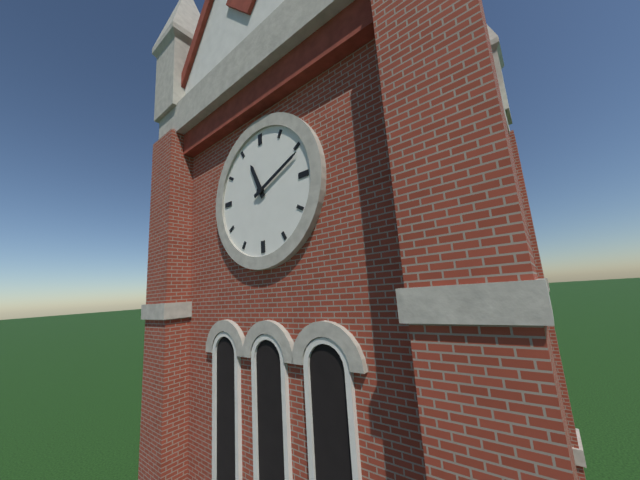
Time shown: 11:11
